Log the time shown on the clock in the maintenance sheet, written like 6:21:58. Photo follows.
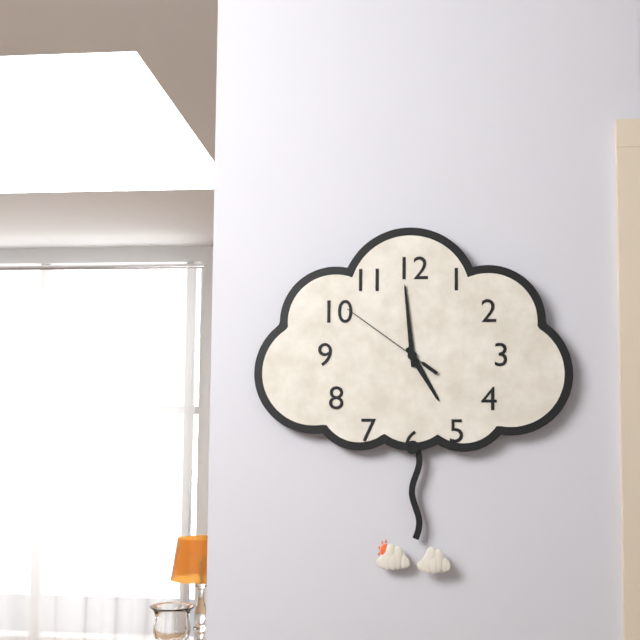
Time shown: 4:59:51
